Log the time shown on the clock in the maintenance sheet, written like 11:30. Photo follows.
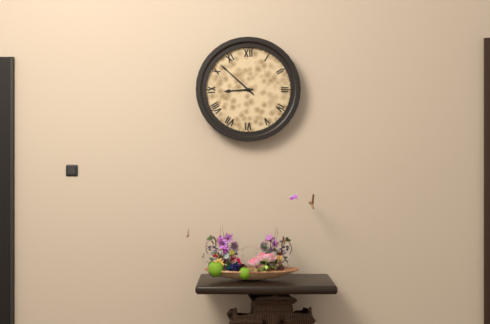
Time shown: 8:52
